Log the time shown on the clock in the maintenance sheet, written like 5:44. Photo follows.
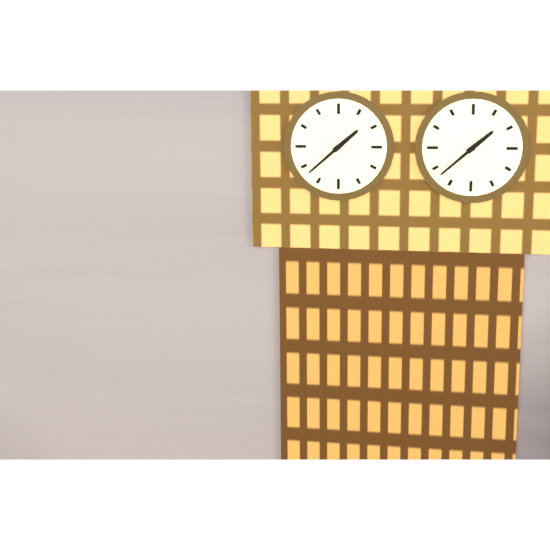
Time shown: 1:38
